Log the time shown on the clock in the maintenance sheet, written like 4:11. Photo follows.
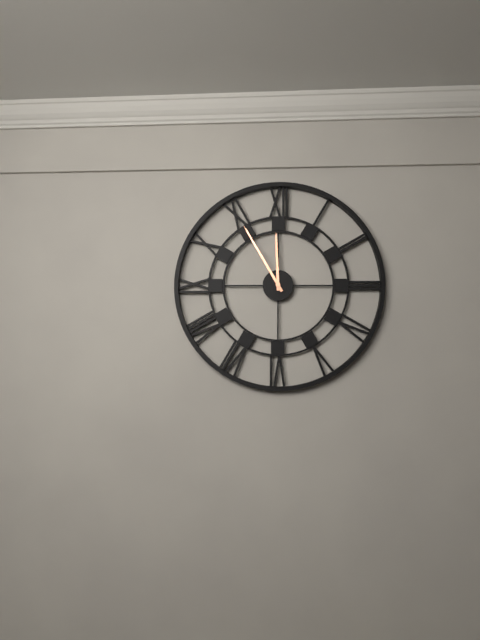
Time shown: 11:55
